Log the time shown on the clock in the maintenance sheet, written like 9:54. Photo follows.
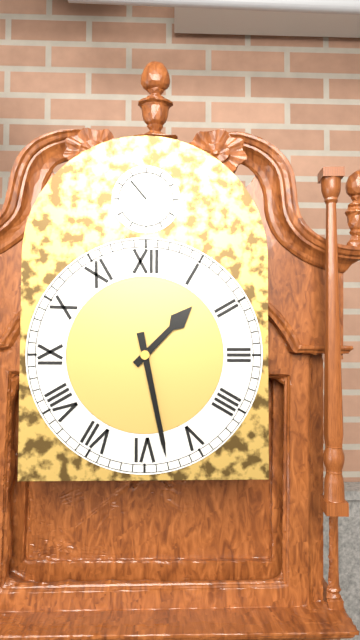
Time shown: 1:28
